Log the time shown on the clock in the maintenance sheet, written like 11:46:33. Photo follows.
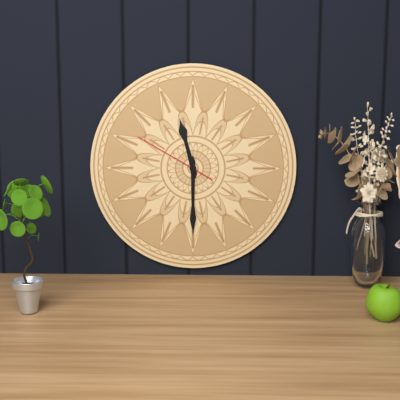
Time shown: 11:30:50
